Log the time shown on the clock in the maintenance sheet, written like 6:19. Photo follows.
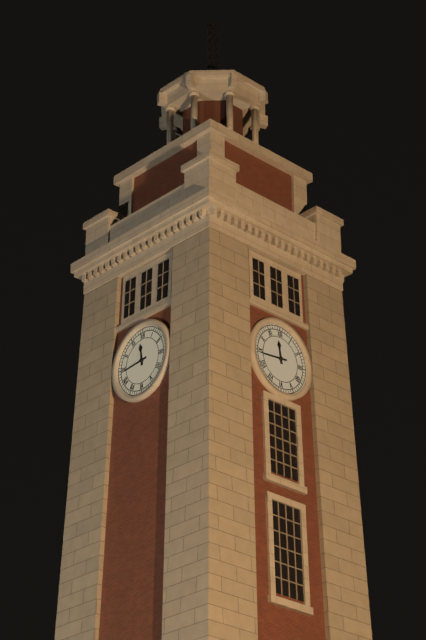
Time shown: 11:44
